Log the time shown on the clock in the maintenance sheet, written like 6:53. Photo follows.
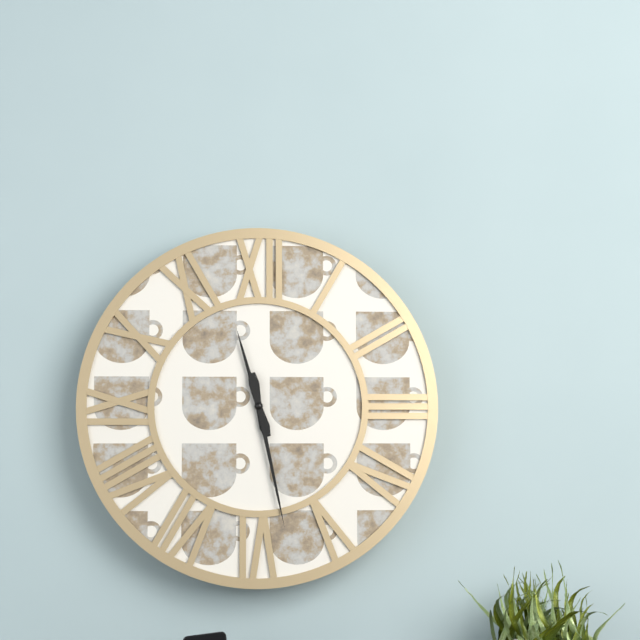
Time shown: 11:28
